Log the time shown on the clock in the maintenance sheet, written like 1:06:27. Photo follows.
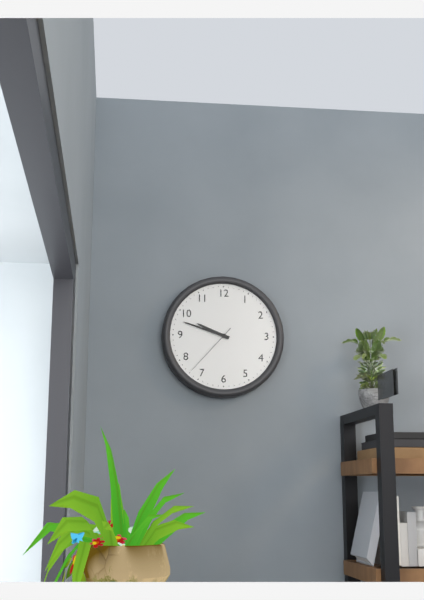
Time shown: 9:48:37
